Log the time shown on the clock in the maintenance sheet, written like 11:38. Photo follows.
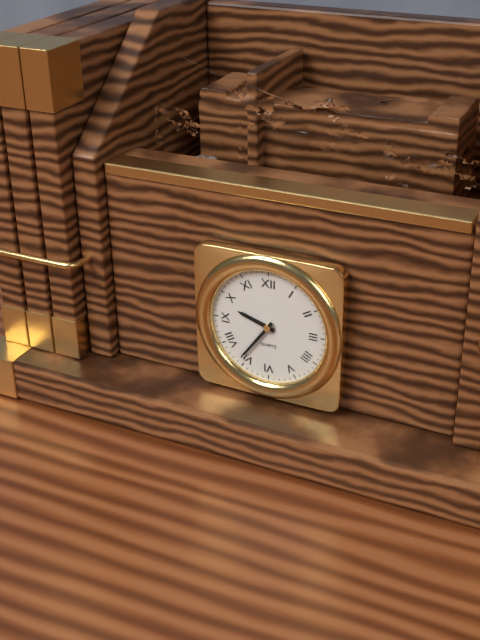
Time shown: 9:36
